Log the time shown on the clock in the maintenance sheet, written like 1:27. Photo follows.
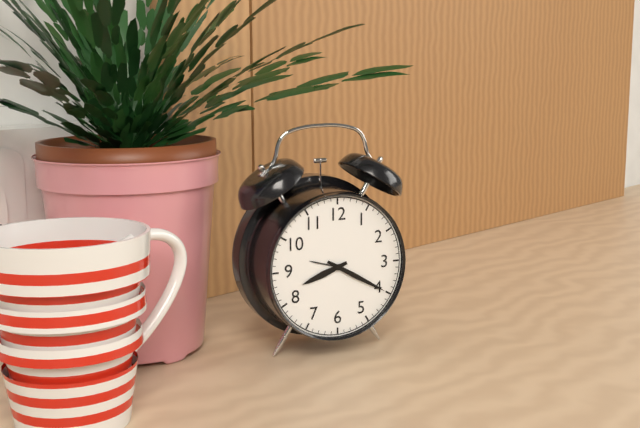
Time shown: 8:20
